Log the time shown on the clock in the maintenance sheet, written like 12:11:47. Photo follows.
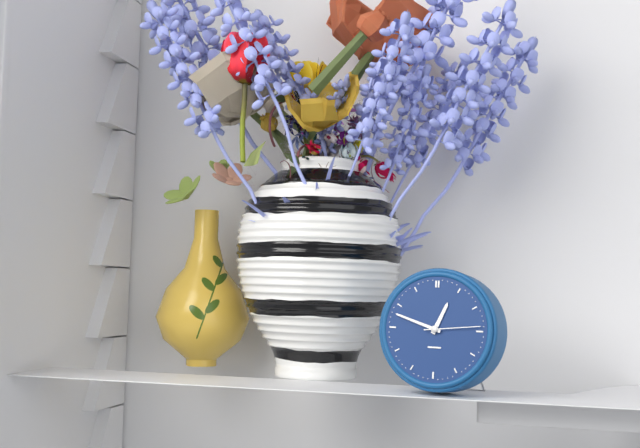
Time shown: 12:48:14
